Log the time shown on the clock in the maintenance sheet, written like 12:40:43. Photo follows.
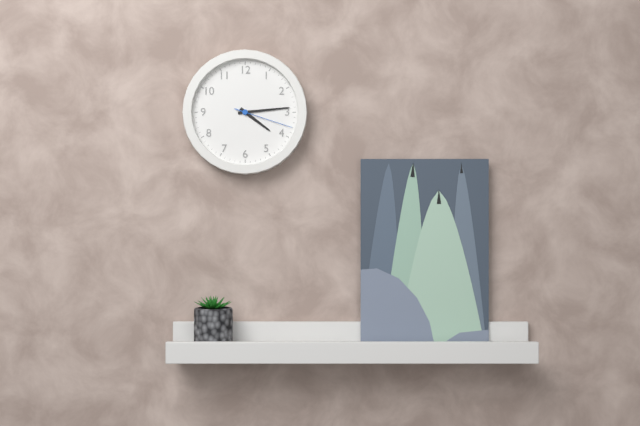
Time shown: 4:14:18
